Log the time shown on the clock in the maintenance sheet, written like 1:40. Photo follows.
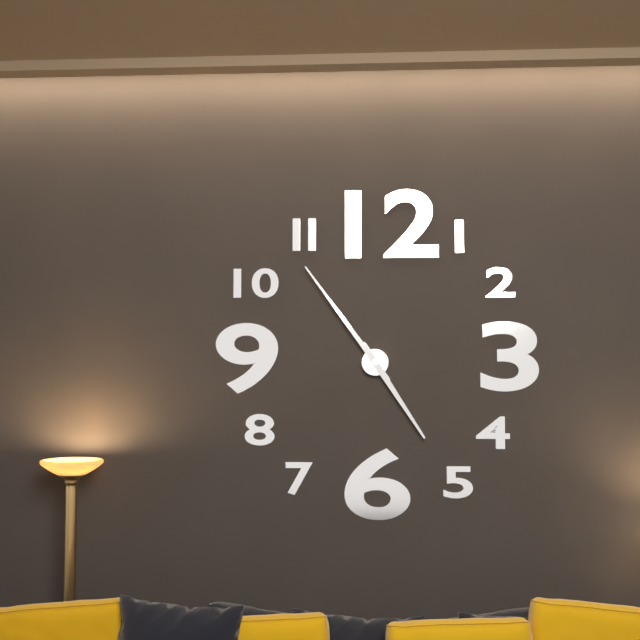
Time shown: 4:54
